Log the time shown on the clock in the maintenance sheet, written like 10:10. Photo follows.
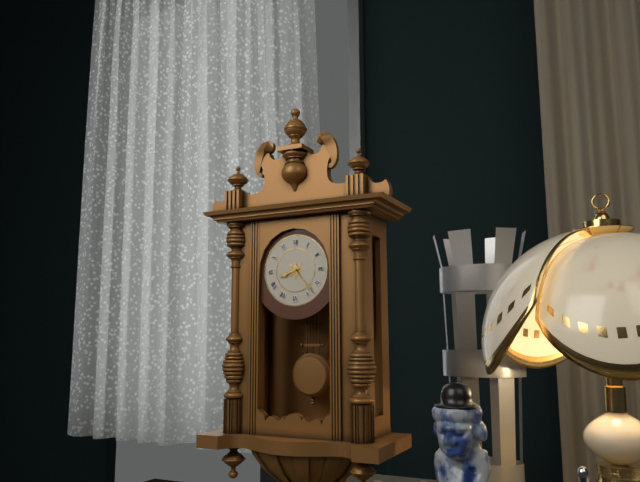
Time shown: 8:23
